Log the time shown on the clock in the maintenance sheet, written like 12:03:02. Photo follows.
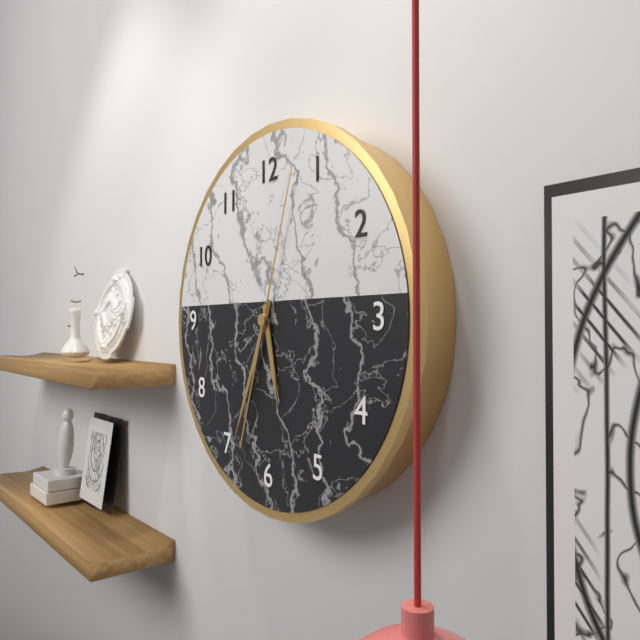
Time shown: 5:34:03
